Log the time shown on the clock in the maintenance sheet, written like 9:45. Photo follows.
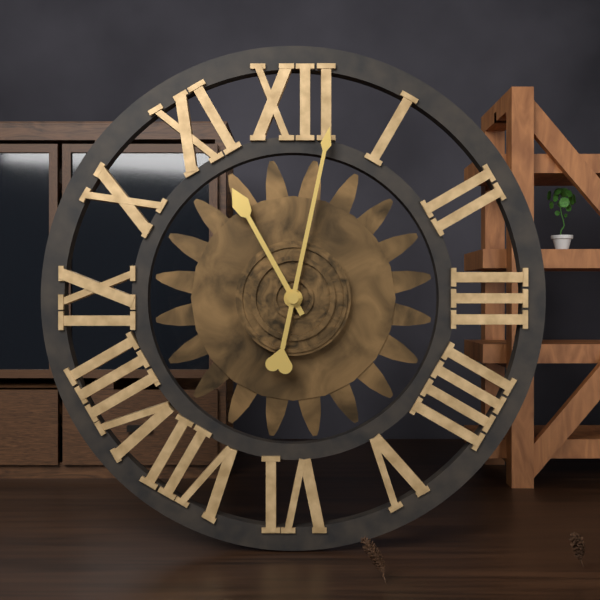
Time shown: 11:02
